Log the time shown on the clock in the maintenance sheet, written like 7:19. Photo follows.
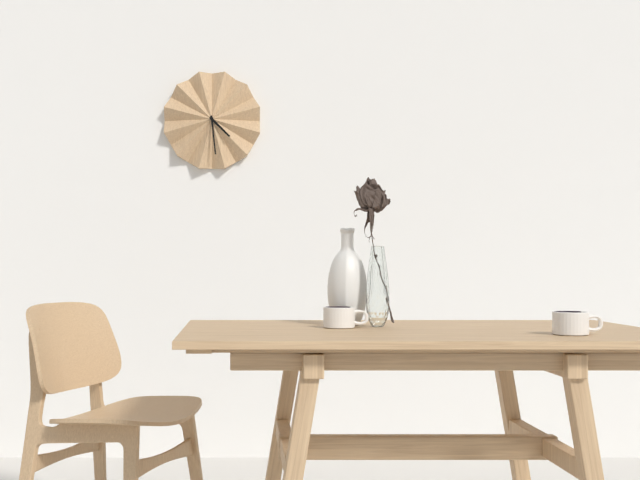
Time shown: 4:29
